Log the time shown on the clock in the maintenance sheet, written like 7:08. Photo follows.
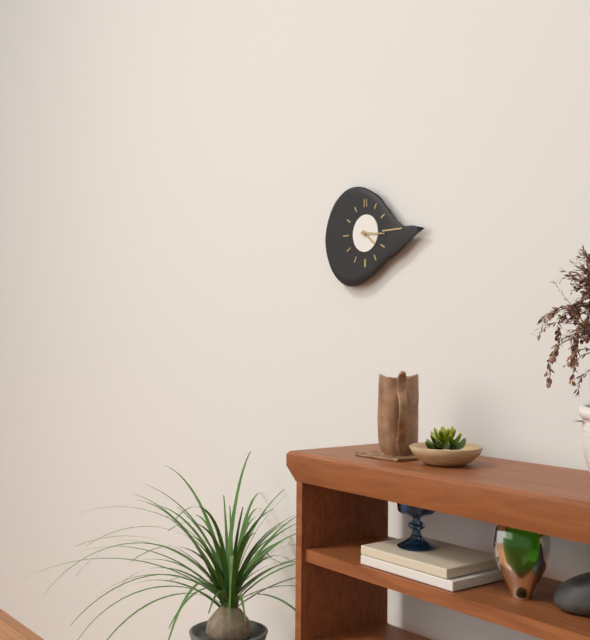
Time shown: 4:16
